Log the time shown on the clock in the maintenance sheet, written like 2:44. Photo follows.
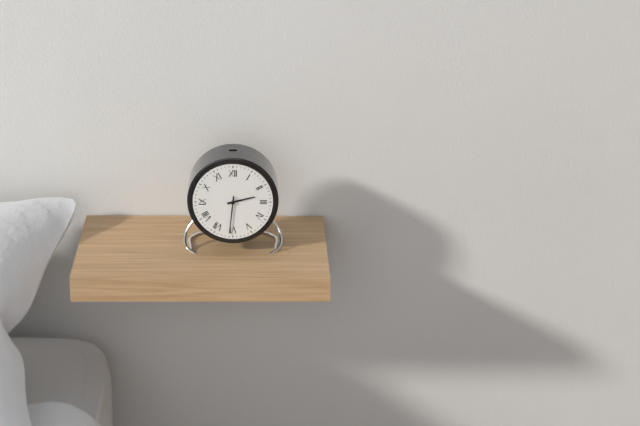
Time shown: 2:31
